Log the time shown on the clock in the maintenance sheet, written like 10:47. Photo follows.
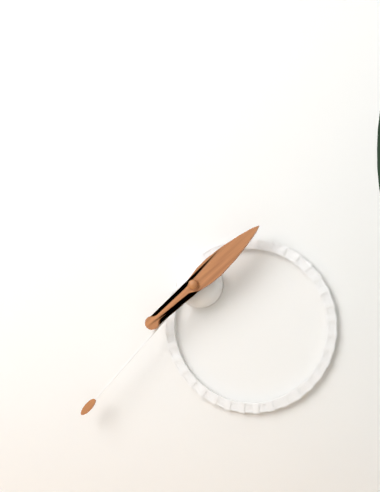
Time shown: 1:37
